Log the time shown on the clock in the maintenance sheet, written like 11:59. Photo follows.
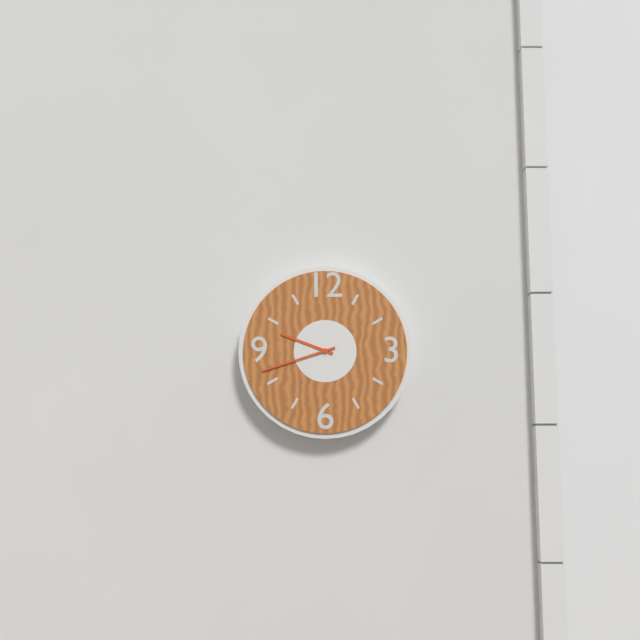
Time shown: 9:42
